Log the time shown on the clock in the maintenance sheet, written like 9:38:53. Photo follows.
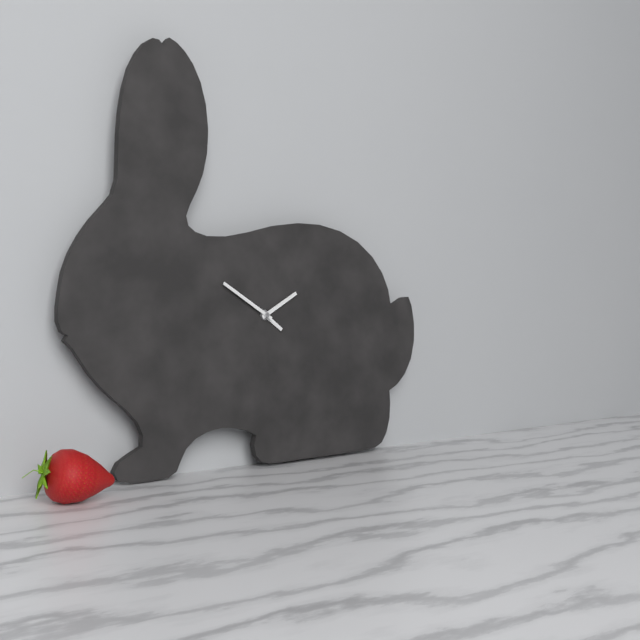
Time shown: 4:10:50
